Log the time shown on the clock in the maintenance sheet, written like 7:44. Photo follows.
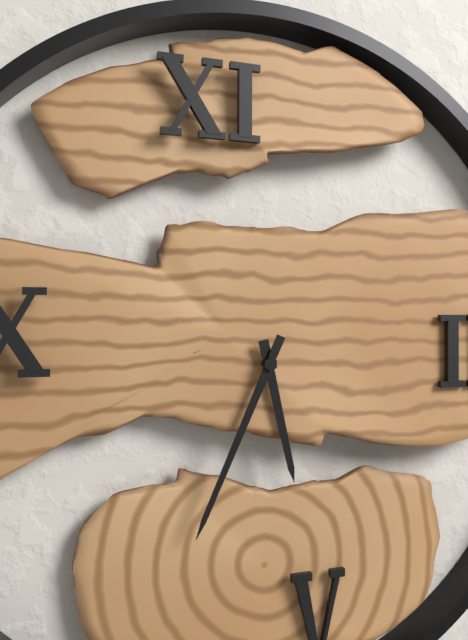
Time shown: 5:34
